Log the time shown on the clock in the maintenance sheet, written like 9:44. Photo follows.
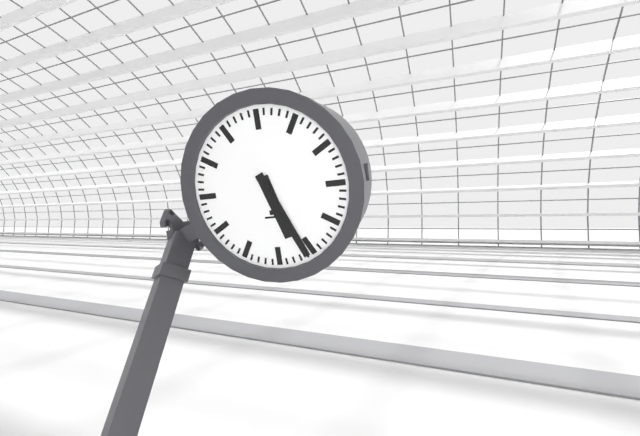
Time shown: 5:26
